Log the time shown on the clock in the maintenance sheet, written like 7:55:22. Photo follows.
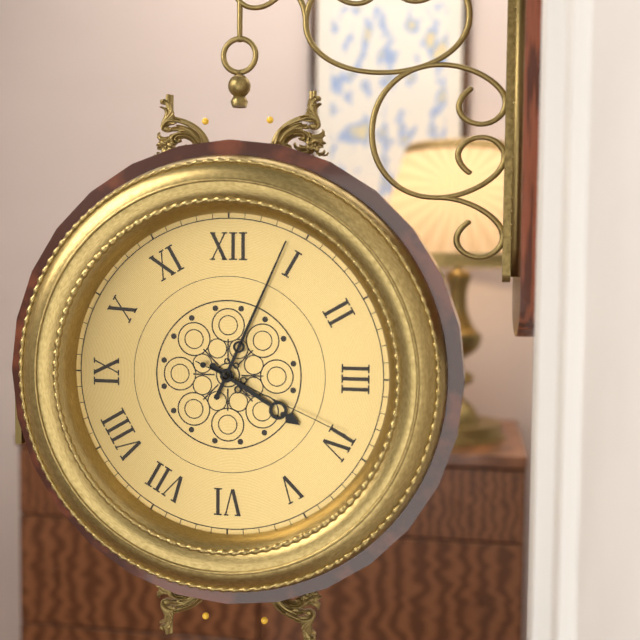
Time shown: 4:04:19
